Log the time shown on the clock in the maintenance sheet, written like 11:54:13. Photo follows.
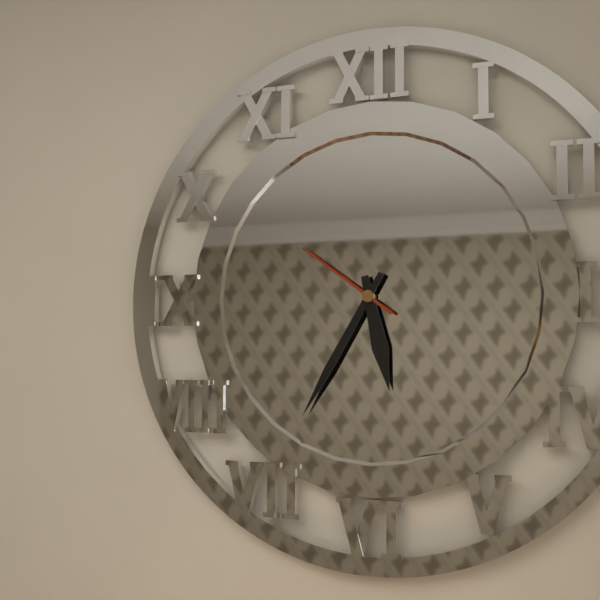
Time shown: 5:35:51
